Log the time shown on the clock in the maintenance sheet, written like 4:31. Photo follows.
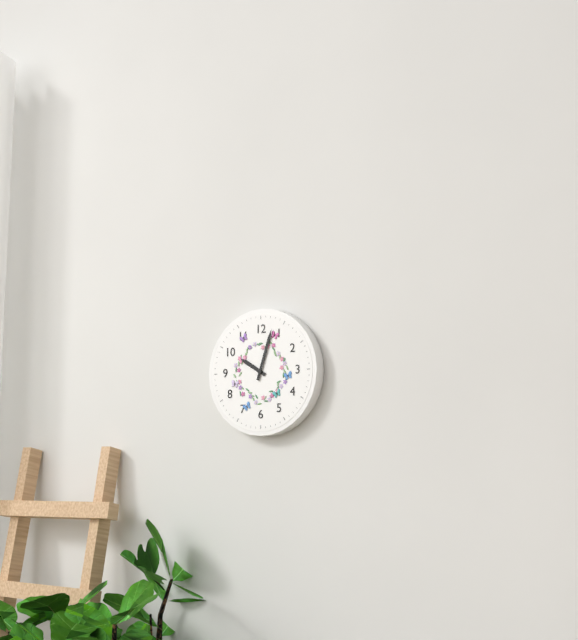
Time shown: 10:03
